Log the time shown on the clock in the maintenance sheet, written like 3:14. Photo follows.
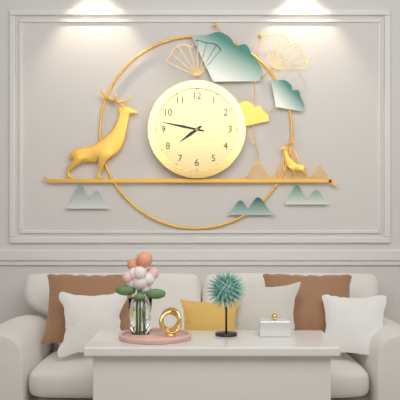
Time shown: 7:47
